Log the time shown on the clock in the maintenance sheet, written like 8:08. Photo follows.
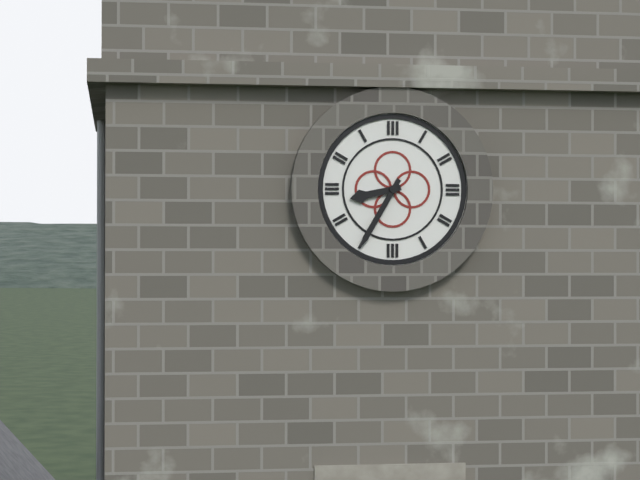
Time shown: 8:35
